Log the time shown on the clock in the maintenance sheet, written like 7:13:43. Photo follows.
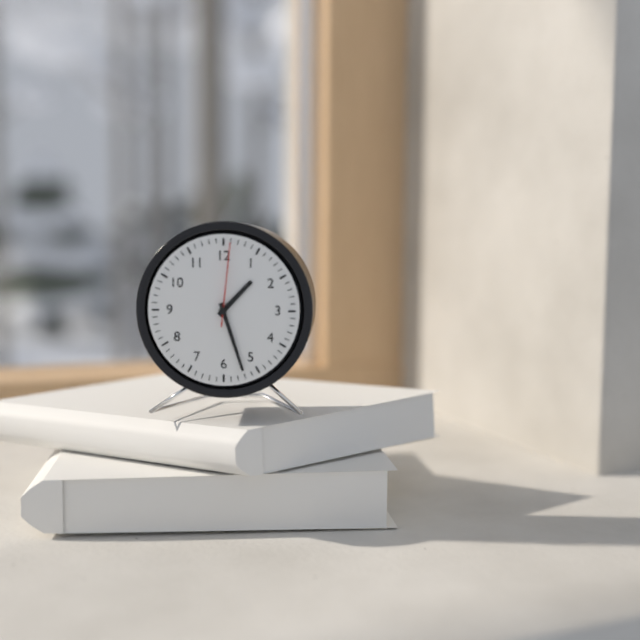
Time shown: 1:27:01
